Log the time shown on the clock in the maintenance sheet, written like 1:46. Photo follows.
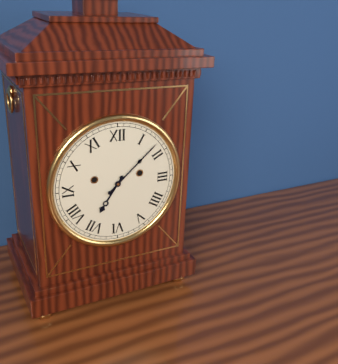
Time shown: 7:08
